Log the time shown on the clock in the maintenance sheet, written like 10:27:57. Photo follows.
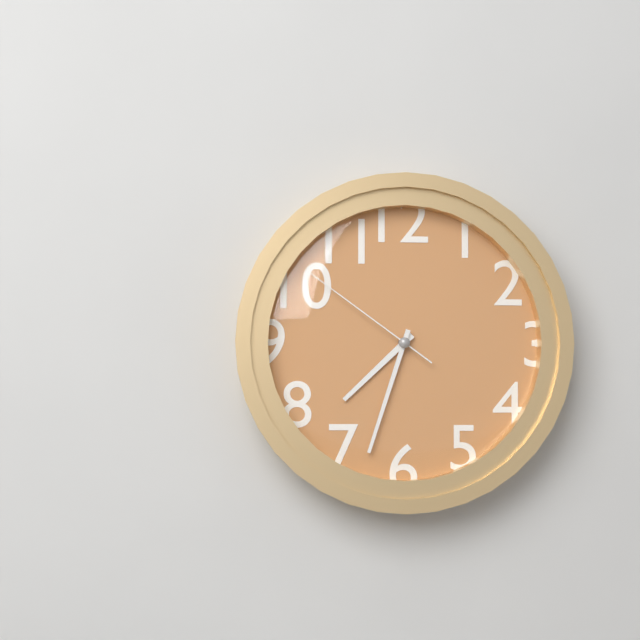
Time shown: 7:33:51
